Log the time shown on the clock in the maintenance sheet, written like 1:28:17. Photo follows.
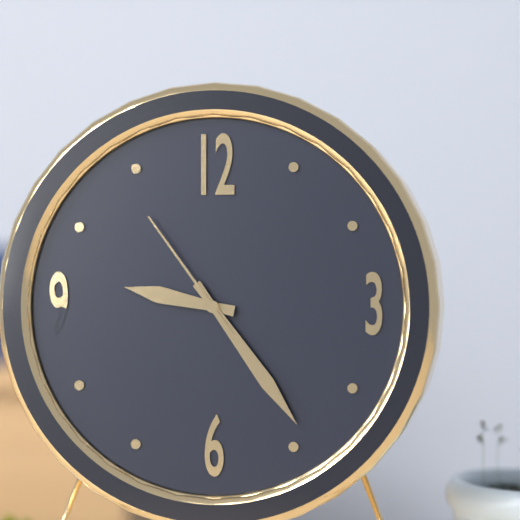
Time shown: 9:24:54
